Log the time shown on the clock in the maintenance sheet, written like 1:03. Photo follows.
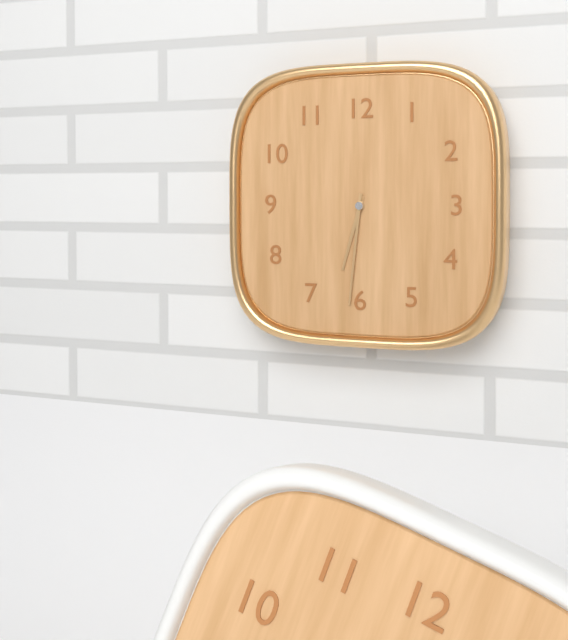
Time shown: 6:31
